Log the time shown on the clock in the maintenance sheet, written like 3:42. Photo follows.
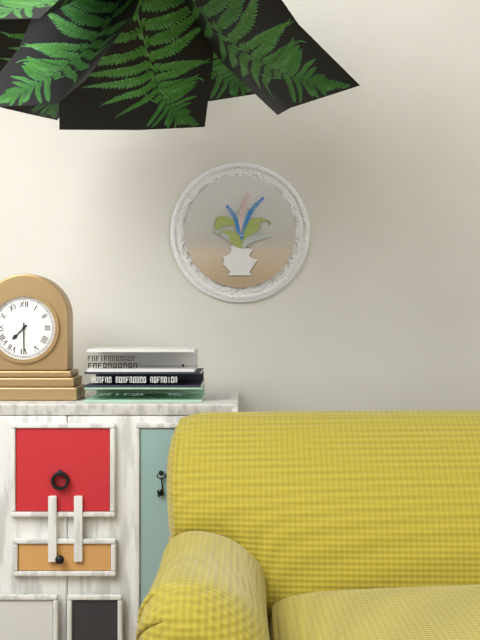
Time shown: 7:30
